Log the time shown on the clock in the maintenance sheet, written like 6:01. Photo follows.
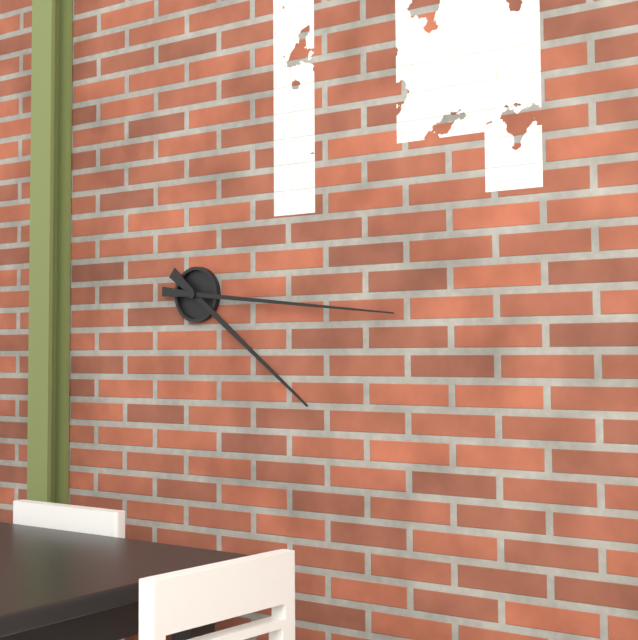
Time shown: 4:16
